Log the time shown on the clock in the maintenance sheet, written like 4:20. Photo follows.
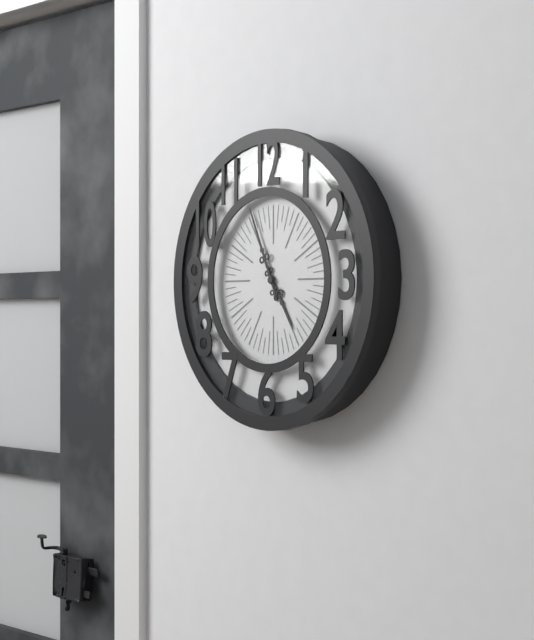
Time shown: 4:56
